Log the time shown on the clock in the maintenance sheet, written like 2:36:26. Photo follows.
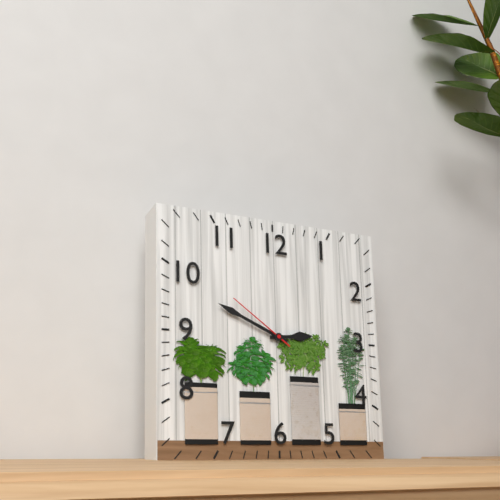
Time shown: 2:49:51
